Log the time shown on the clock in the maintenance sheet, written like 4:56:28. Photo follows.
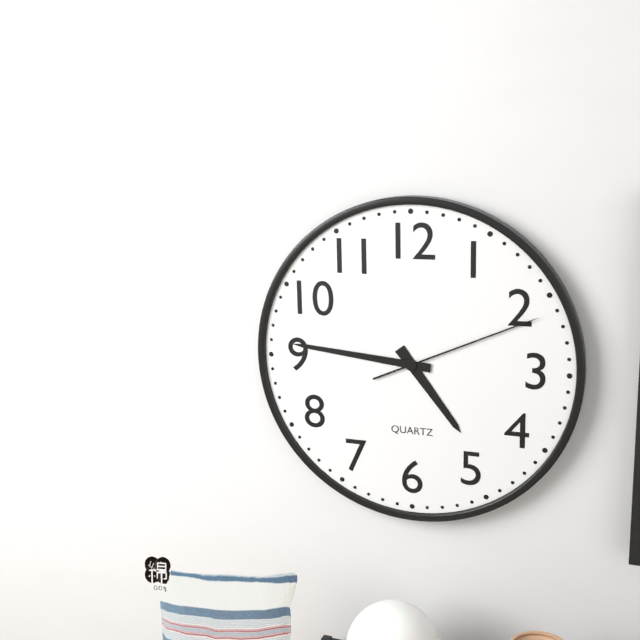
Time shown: 4:46:11
